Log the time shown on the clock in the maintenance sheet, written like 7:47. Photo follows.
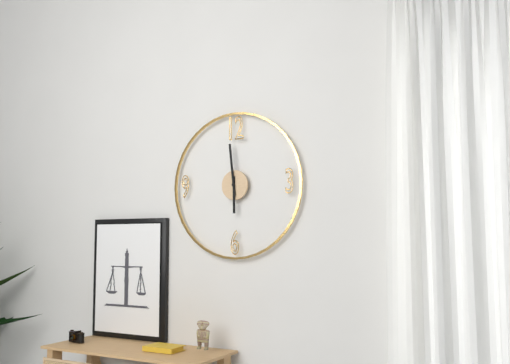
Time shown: 5:59
